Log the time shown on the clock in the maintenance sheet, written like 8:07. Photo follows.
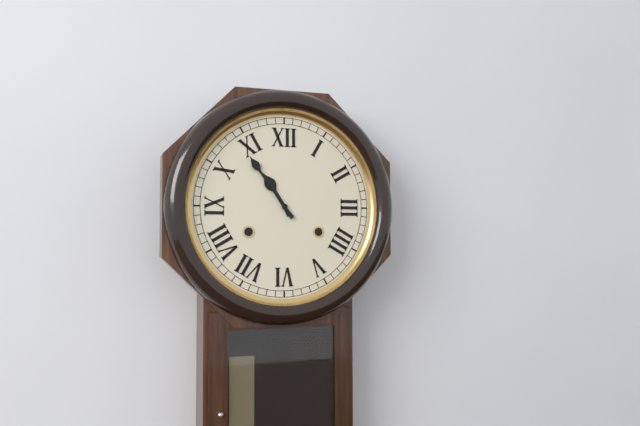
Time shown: 10:54
